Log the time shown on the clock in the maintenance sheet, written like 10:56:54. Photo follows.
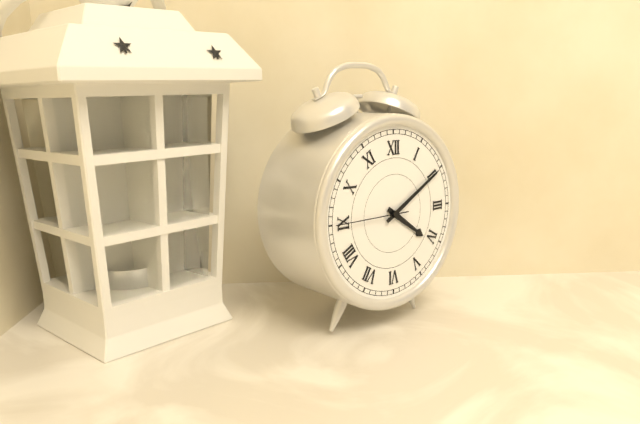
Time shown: 4:10:45
